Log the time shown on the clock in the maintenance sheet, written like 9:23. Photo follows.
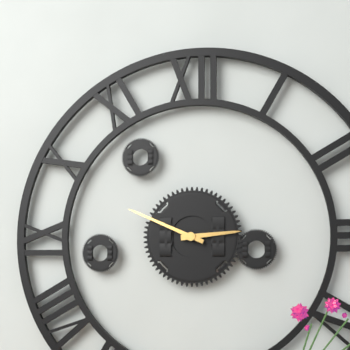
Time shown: 2:49
